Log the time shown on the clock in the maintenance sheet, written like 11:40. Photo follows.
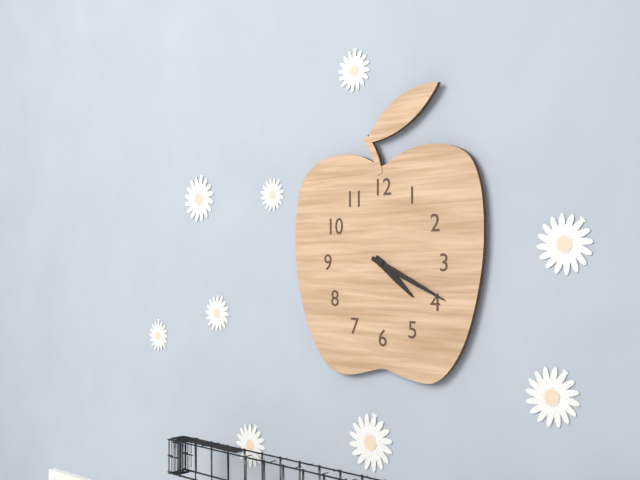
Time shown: 4:19
